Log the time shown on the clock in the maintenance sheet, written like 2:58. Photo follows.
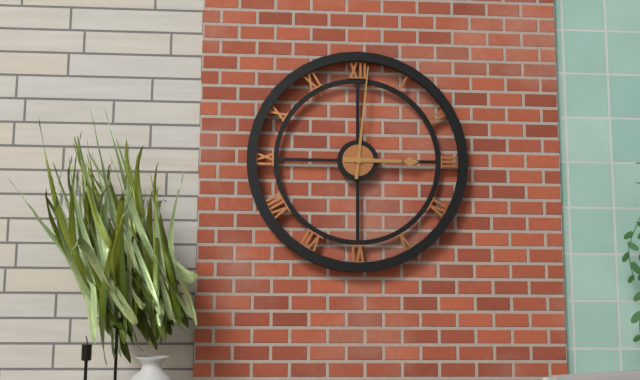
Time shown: 3:01
